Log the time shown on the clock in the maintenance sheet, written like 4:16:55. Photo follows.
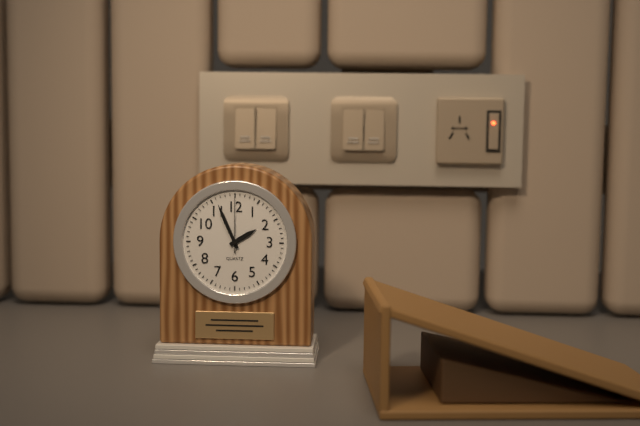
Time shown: 1:56:00
